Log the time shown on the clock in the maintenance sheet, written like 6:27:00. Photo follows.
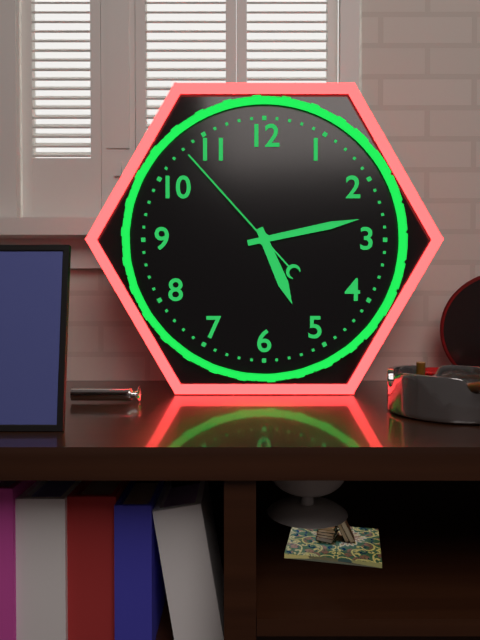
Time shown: 5:13:53
